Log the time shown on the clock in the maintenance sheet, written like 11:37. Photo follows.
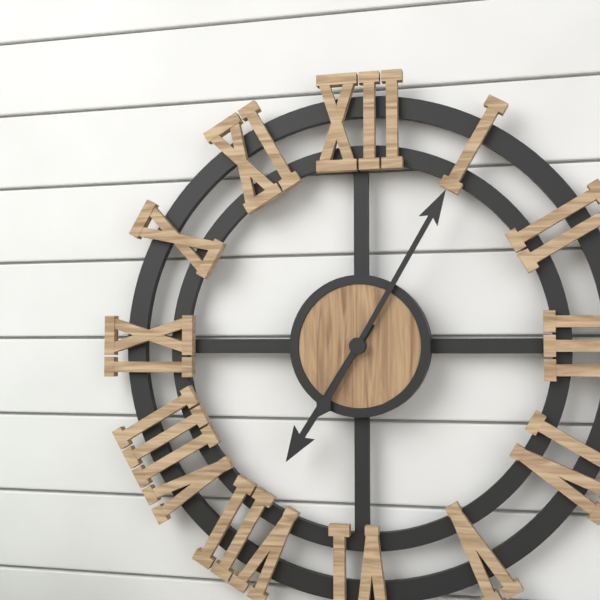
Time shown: 7:05
